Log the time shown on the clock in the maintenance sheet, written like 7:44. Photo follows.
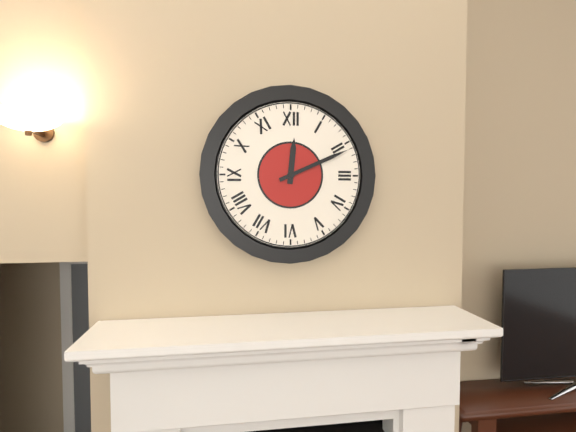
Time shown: 12:11
